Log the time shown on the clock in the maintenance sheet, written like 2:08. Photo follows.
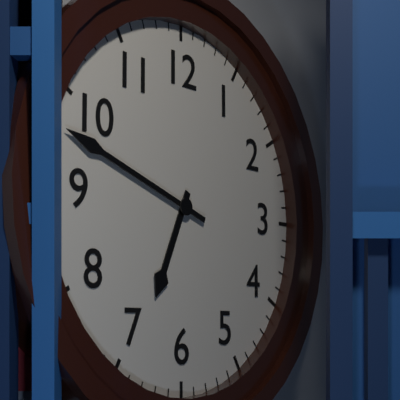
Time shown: 6:48
